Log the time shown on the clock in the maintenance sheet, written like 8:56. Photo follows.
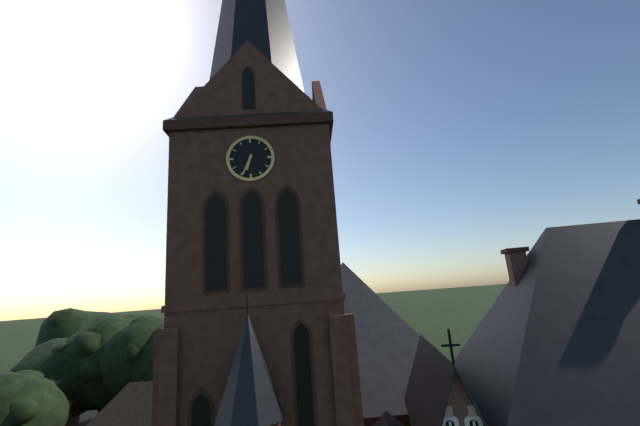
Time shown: 6:34
